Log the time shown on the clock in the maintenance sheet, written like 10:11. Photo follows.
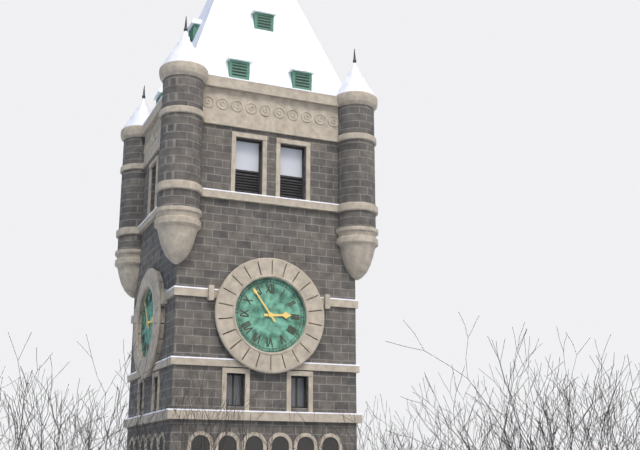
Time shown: 2:54
